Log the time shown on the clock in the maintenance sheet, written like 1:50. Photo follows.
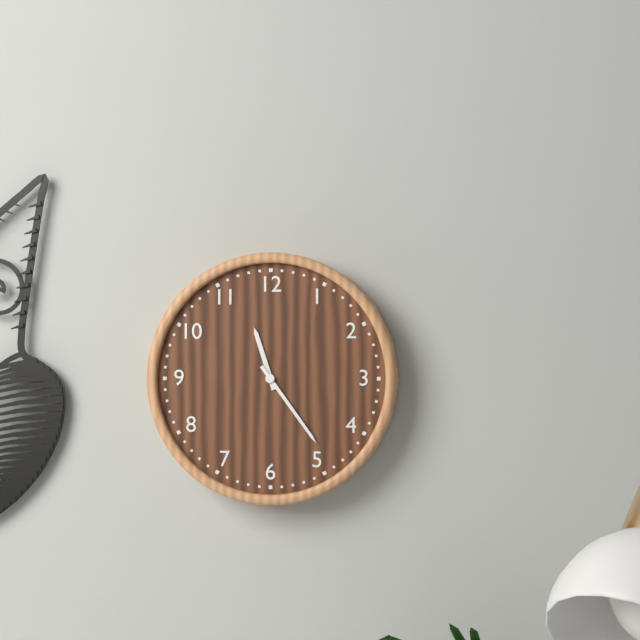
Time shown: 11:24
